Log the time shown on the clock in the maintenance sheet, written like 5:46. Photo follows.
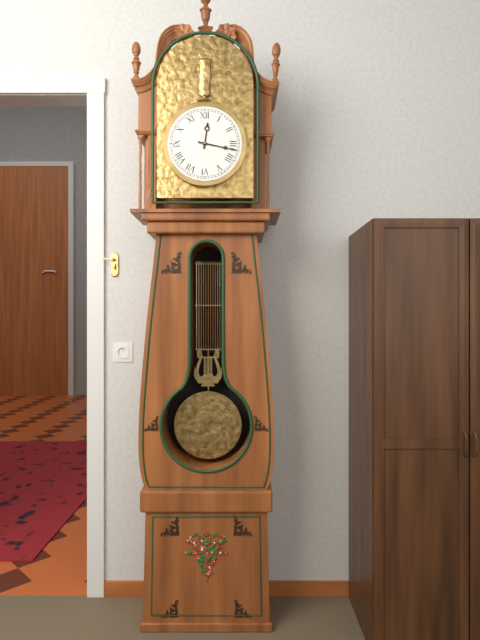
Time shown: 12:17
